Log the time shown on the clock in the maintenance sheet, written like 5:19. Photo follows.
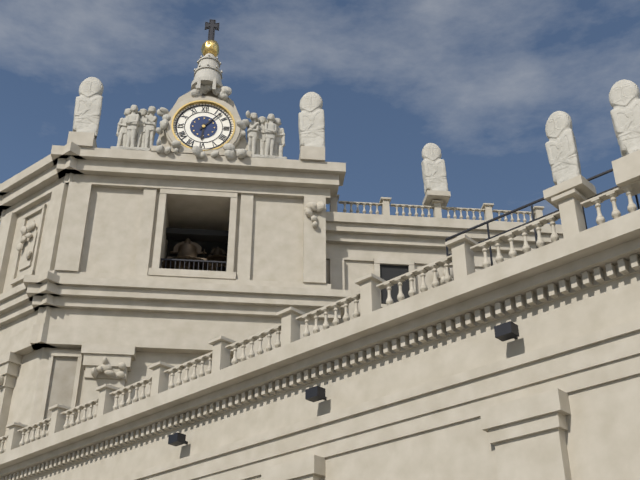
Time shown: 6:07
